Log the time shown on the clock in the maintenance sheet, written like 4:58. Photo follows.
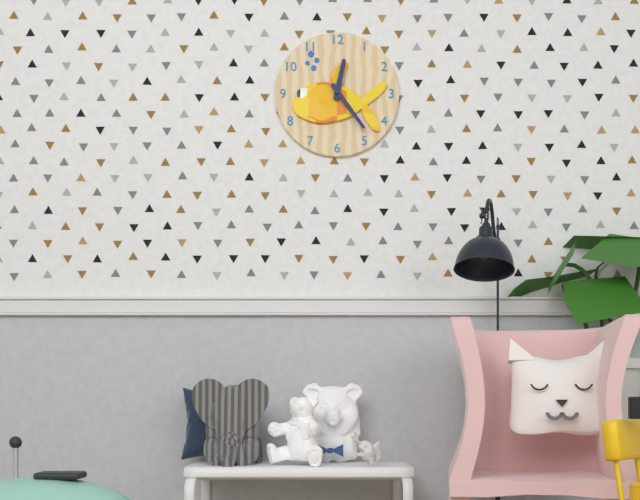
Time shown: 12:24
